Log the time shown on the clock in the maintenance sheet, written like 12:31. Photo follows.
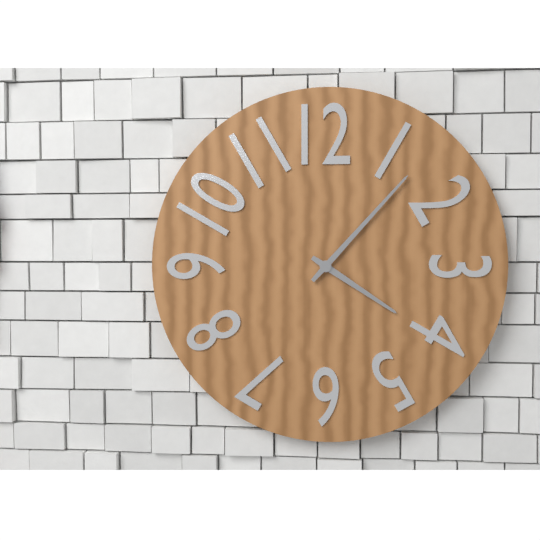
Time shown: 4:07
